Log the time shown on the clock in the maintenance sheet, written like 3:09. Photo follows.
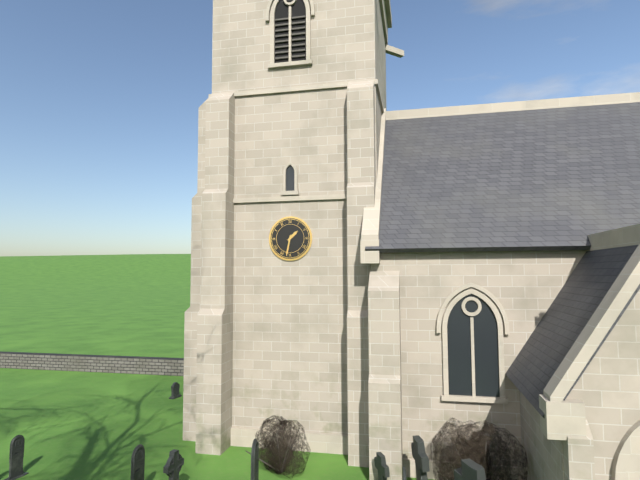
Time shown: 1:32
